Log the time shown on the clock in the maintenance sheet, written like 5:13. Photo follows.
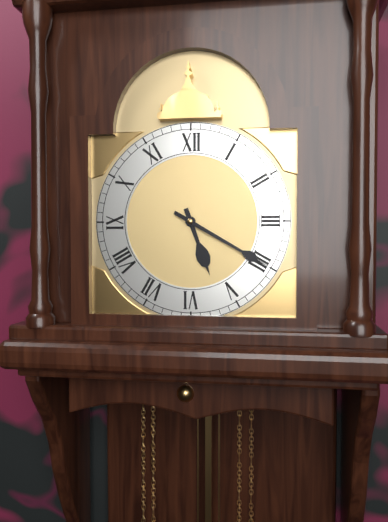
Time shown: 5:20
